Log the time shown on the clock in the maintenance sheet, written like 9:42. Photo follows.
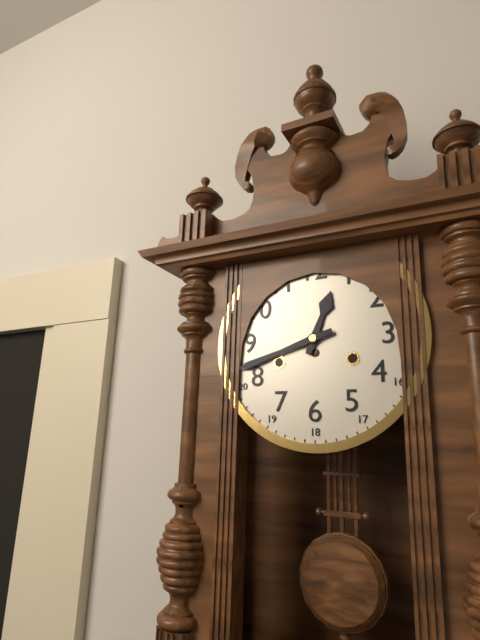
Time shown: 12:42
